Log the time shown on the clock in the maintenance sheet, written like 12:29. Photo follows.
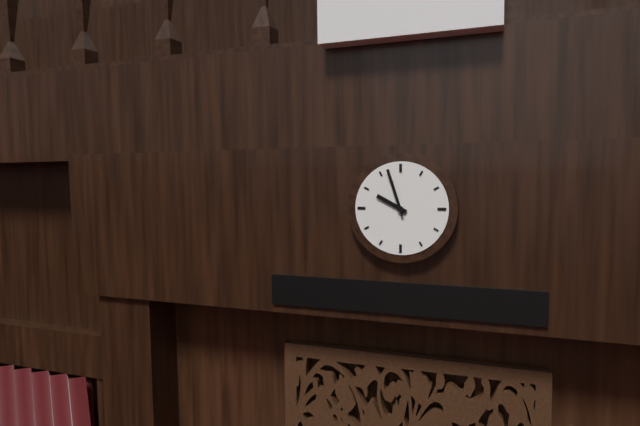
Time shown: 9:57
